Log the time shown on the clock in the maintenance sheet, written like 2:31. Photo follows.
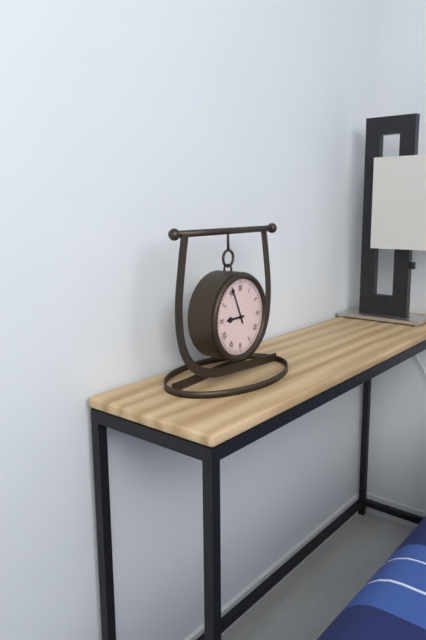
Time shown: 8:56
